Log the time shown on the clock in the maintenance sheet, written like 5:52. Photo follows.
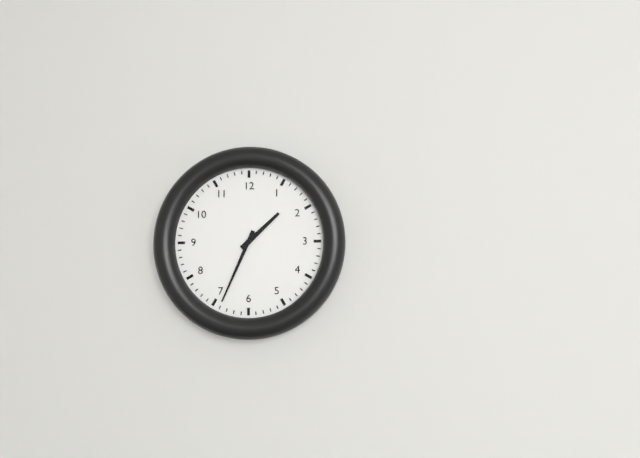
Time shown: 1:34
